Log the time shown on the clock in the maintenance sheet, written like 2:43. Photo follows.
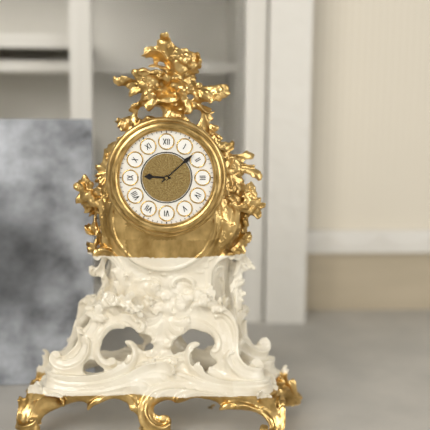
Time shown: 9:08
